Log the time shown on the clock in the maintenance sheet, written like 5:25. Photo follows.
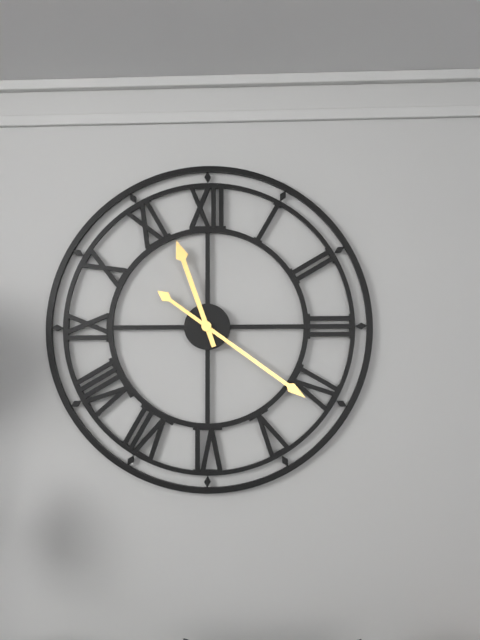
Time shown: 11:21
